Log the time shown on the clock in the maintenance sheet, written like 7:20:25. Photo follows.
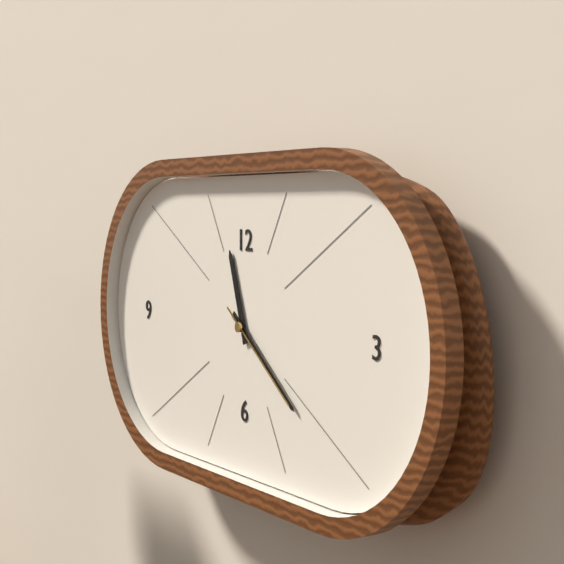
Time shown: 11:21:21
